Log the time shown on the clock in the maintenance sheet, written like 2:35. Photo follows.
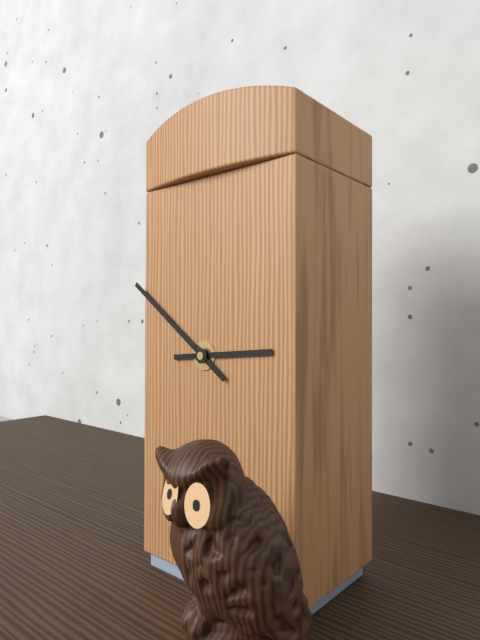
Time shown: 2:51
